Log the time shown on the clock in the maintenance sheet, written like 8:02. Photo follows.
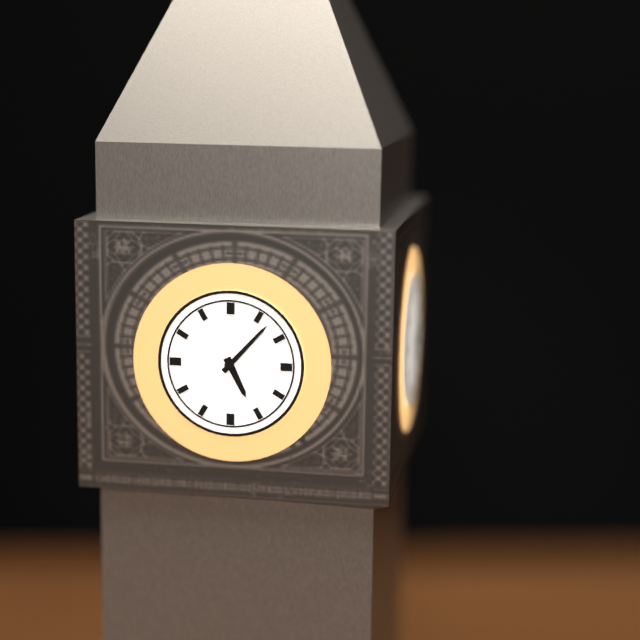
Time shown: 5:07
